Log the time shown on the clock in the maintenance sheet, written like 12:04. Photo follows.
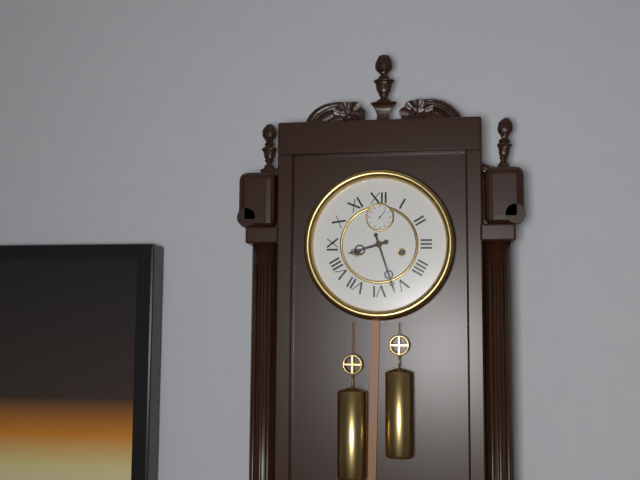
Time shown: 8:27
